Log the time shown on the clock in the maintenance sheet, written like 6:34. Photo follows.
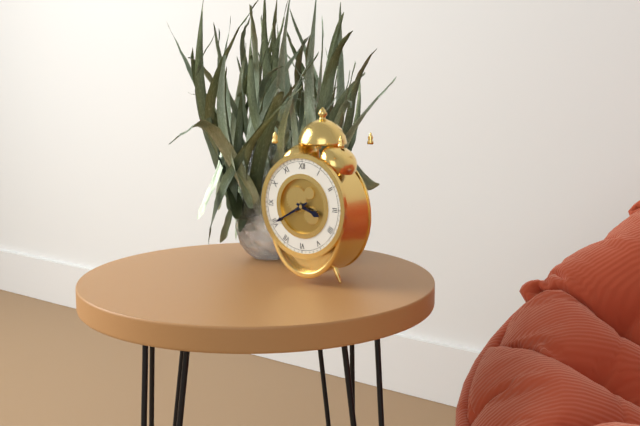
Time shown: 3:40
